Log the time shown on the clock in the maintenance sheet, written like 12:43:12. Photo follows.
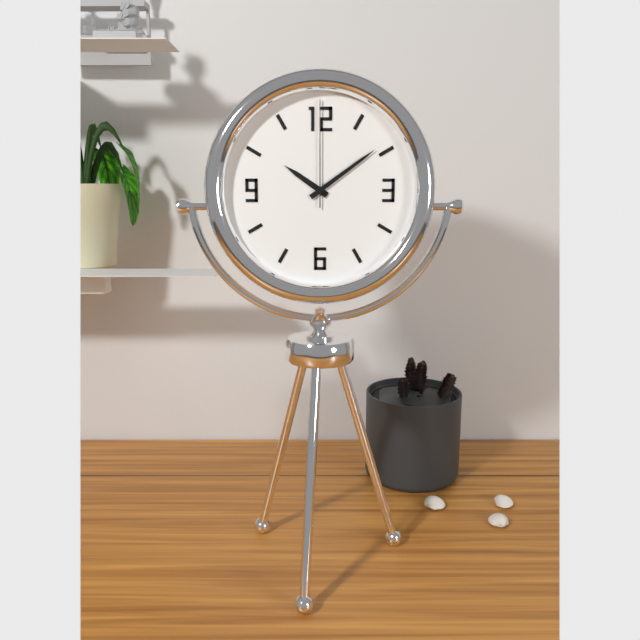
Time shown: 10:09:00
